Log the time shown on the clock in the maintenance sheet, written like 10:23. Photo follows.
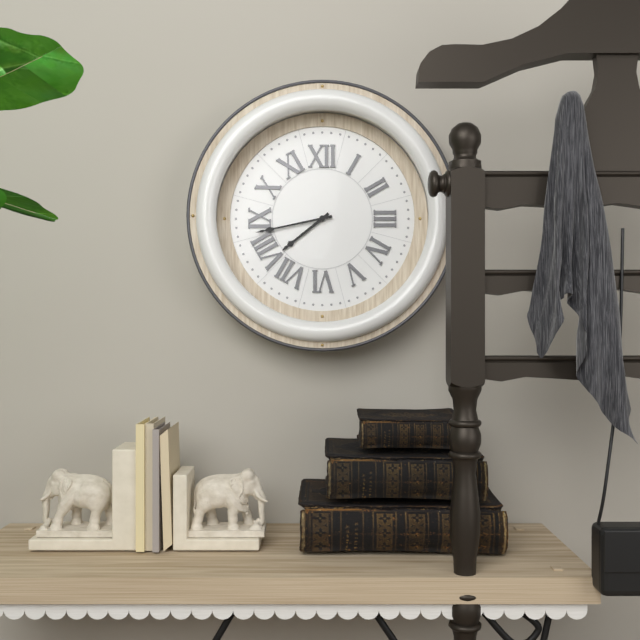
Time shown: 7:43
